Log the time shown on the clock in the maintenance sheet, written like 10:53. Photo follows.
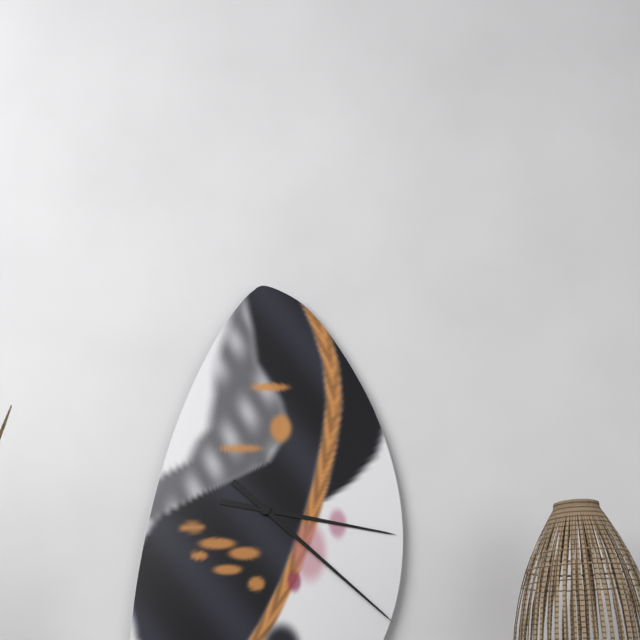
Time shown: 3:22
